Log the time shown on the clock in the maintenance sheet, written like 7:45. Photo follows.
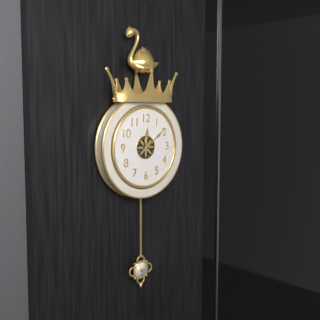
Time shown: 12:09
